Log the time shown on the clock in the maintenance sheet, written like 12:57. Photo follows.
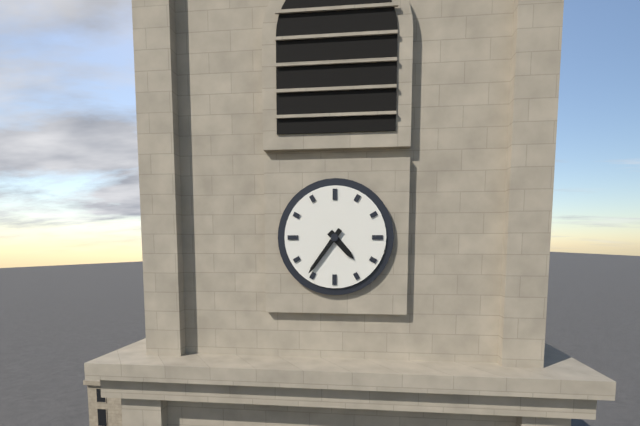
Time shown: 4:36
